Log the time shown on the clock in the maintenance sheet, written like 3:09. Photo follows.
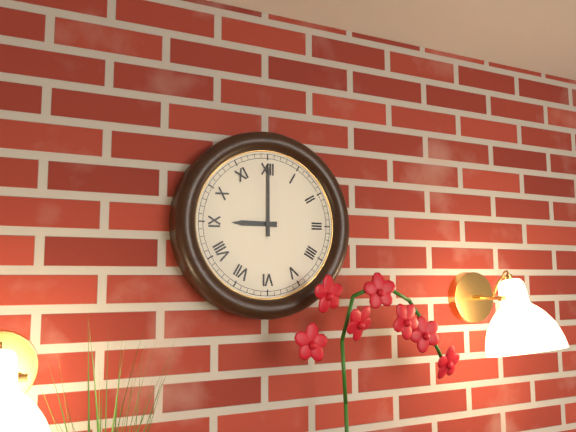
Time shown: 9:00
